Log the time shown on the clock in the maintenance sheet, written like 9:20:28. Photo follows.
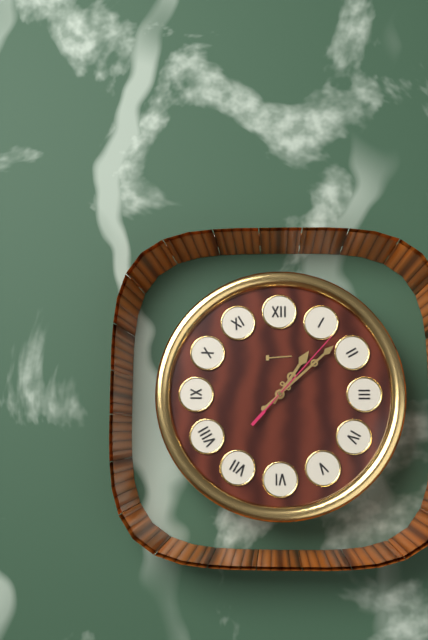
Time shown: 1:08:07
